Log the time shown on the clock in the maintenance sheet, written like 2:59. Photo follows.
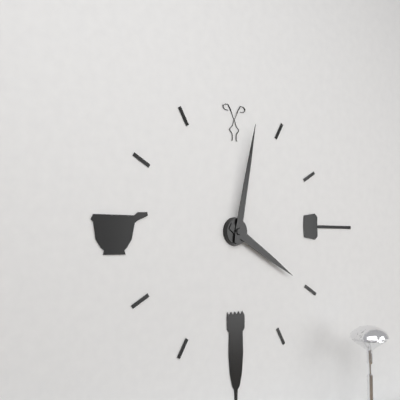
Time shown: 4:02
